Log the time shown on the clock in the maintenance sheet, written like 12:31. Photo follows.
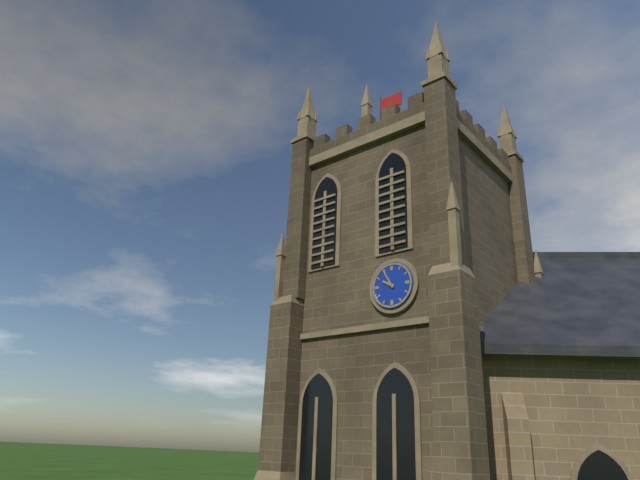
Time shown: 9:55
